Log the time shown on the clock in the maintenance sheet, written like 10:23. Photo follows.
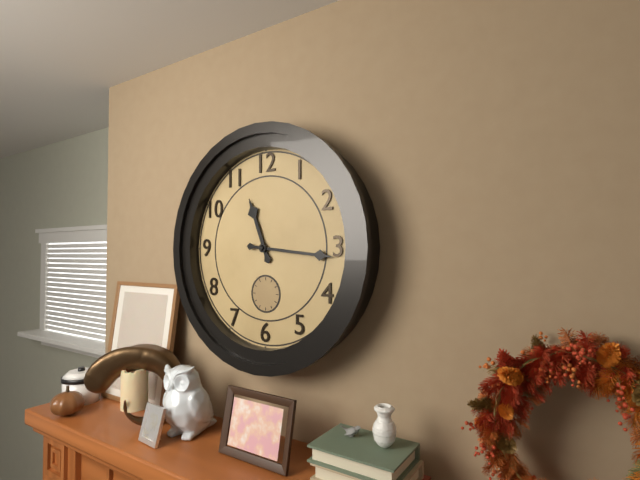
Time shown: 11:16
